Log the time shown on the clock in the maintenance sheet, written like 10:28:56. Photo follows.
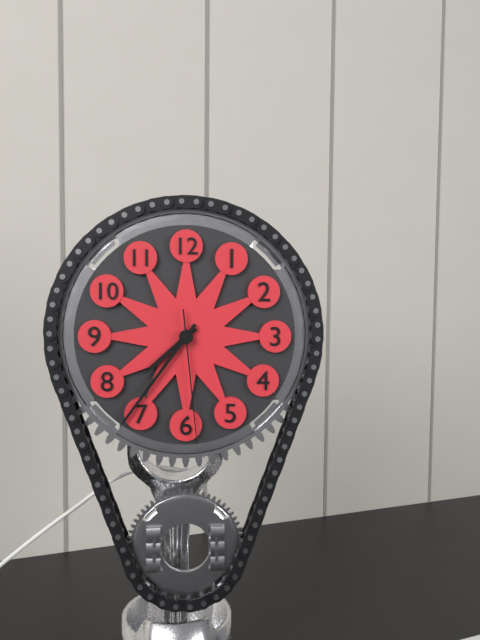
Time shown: 7:36:29
